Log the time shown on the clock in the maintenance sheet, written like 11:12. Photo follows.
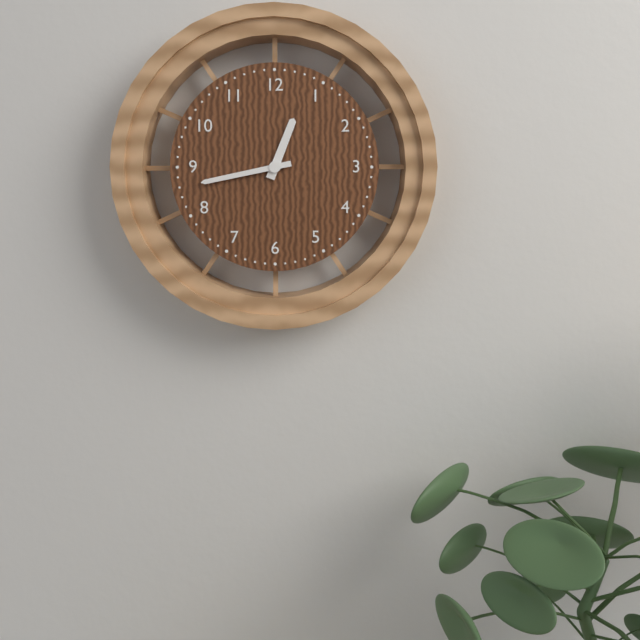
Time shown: 12:43
